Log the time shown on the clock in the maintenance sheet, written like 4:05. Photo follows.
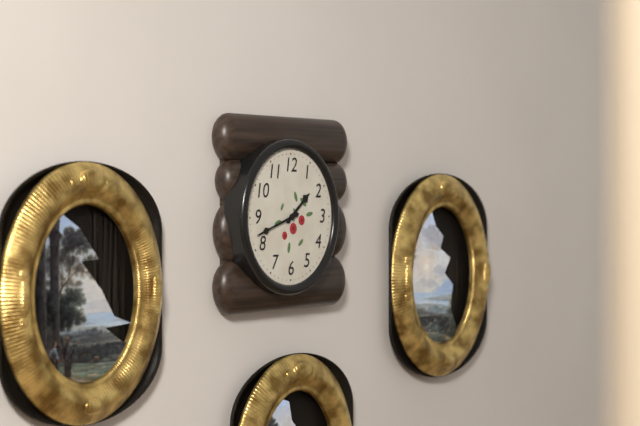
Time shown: 1:42
